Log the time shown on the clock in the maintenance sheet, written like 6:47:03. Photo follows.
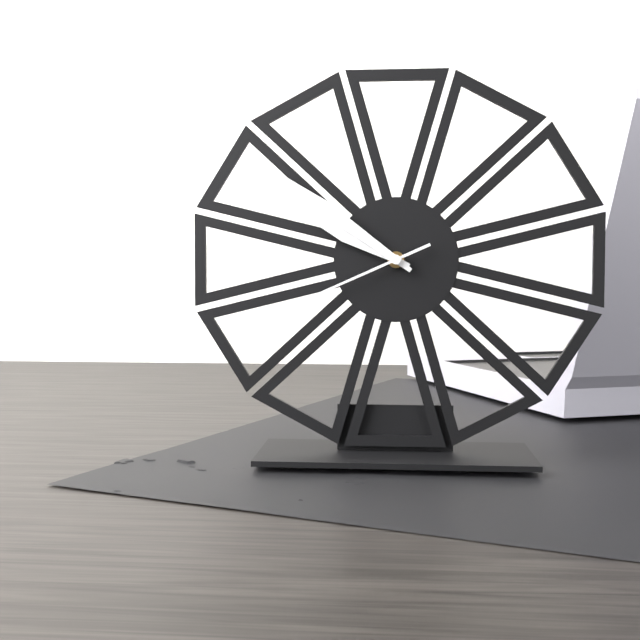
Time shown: 9:51:41
